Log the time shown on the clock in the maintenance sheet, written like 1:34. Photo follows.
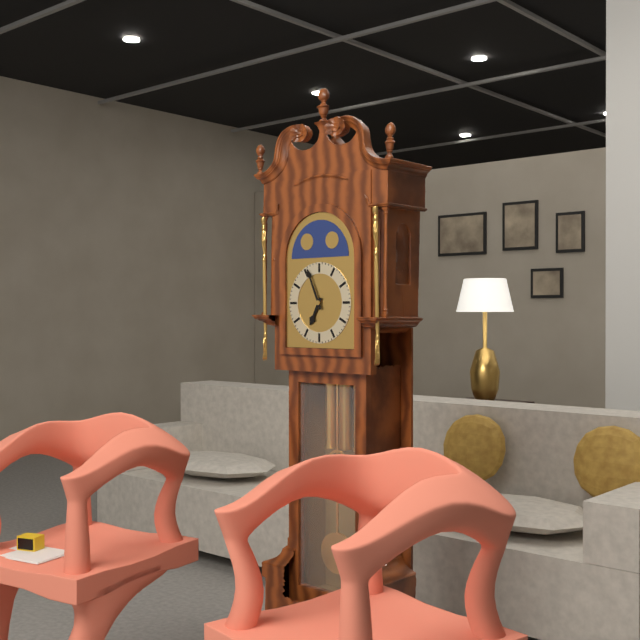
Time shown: 6:56
